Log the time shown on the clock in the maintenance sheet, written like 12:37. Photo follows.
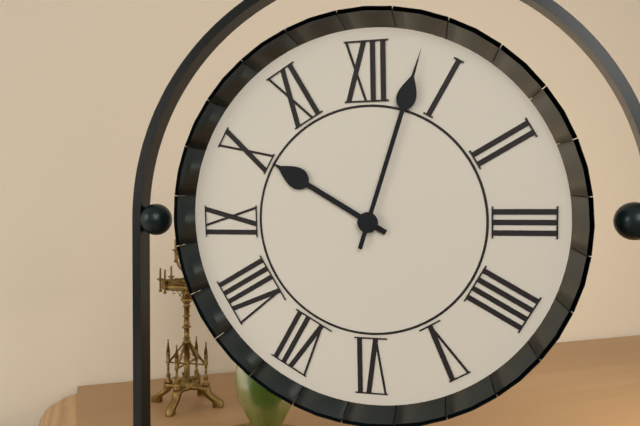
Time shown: 10:03
